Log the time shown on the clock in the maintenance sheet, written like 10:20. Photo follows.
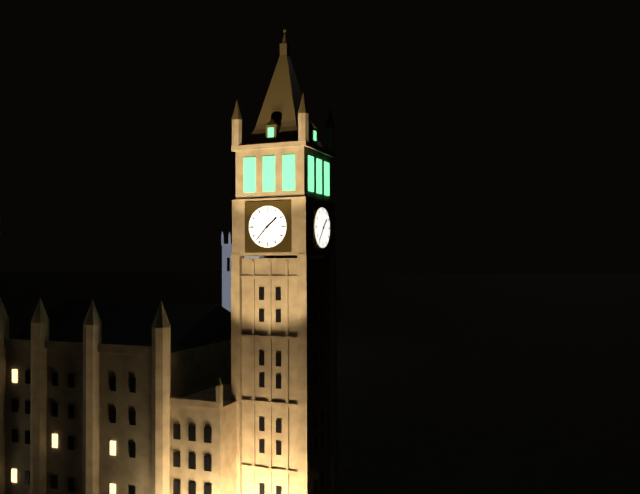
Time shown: 1:37
